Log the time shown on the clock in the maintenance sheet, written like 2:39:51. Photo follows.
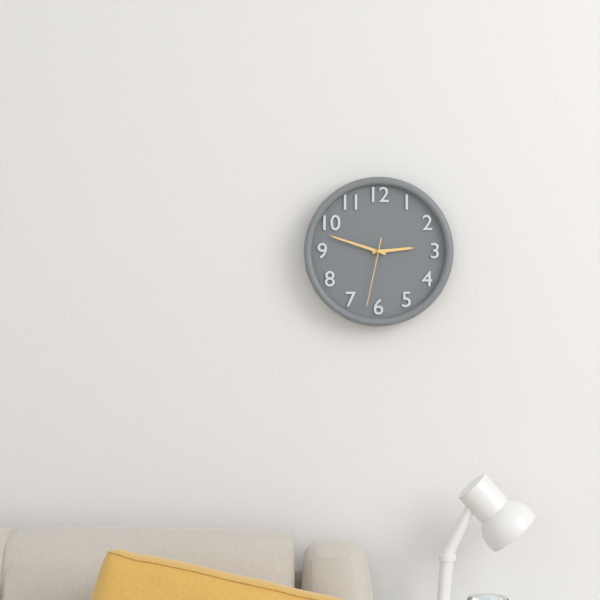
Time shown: 2:48:32
